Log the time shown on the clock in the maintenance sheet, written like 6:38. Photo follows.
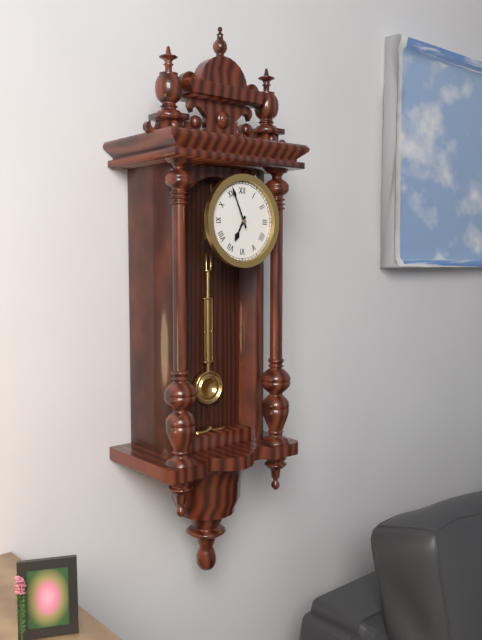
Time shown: 6:56
